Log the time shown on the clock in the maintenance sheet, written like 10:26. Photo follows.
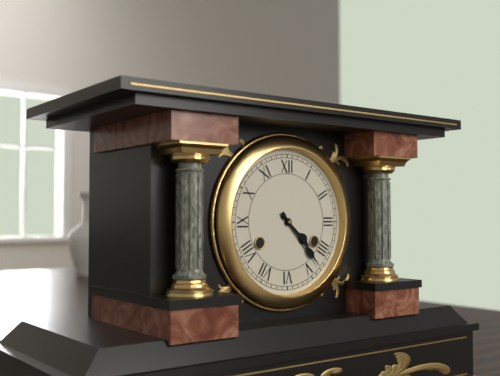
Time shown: 4:23
